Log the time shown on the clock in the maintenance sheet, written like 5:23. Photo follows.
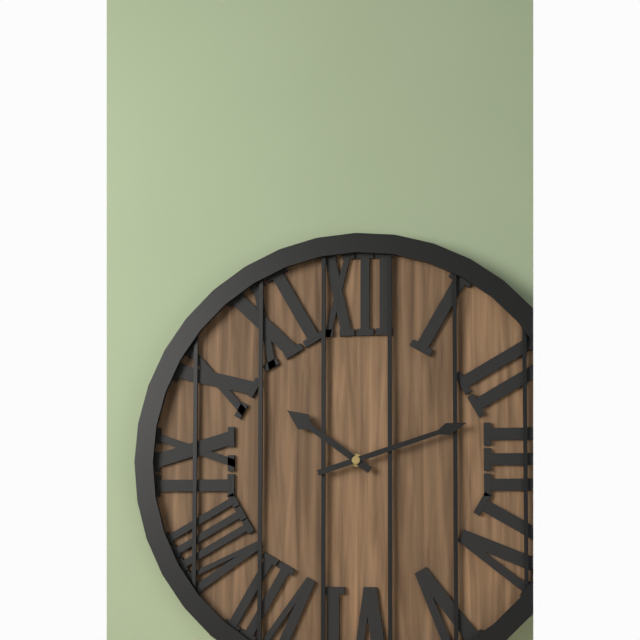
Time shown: 10:12
